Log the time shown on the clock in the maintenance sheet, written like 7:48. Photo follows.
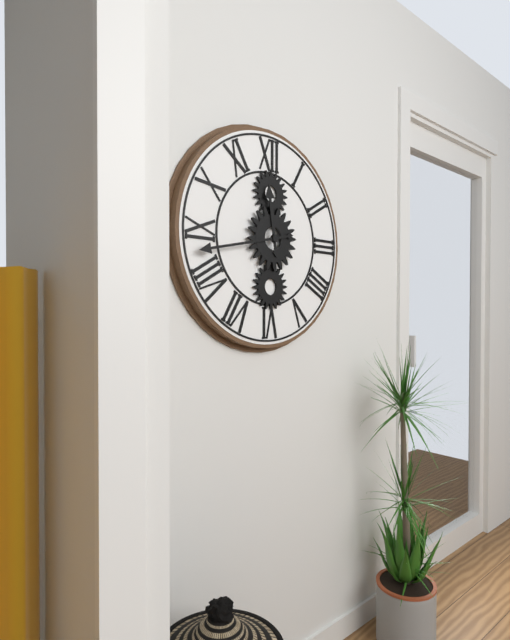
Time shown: 11:43
